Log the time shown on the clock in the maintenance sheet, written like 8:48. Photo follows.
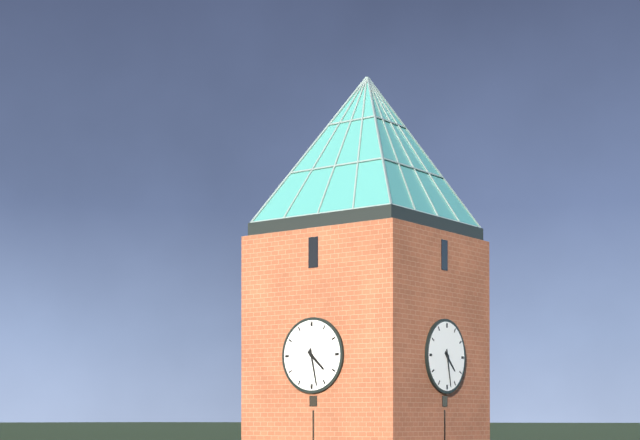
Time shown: 4:28
